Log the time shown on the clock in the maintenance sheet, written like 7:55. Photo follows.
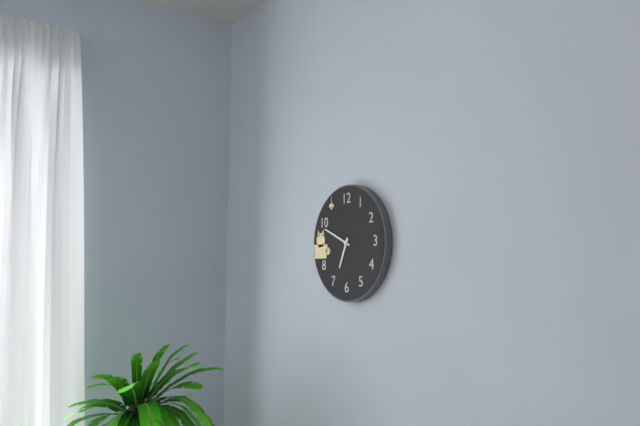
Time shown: 6:49
